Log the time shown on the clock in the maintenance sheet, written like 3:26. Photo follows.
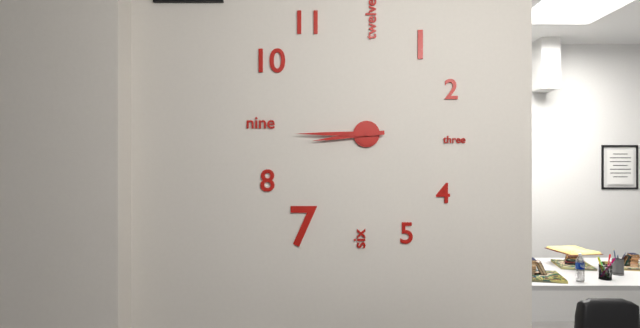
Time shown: 8:45
